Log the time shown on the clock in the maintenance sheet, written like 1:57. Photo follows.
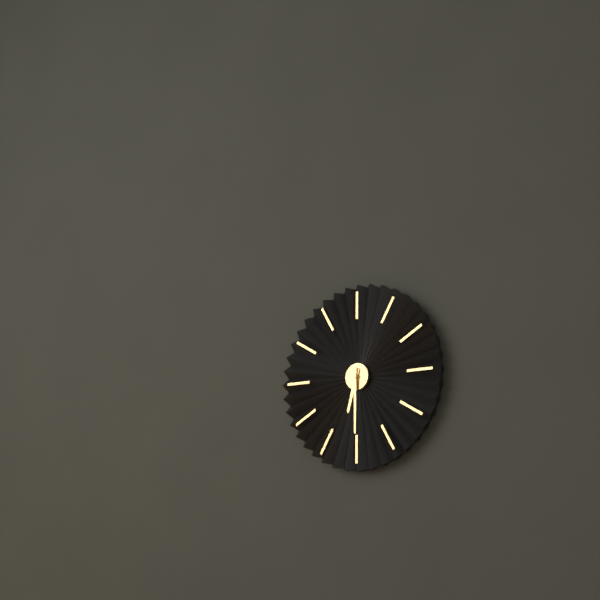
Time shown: 6:30
